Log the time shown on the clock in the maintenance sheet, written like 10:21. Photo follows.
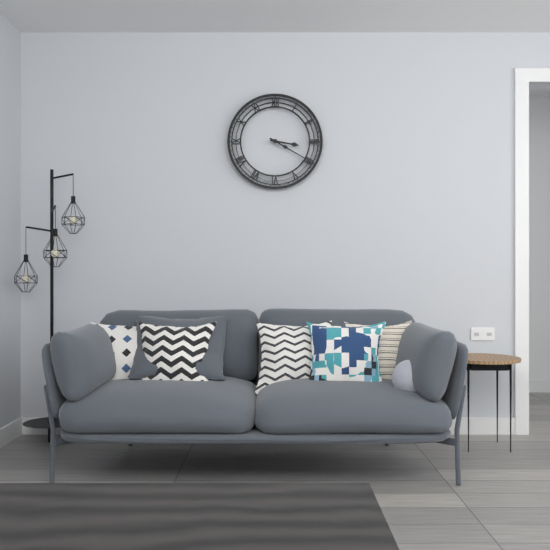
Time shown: 3:20
